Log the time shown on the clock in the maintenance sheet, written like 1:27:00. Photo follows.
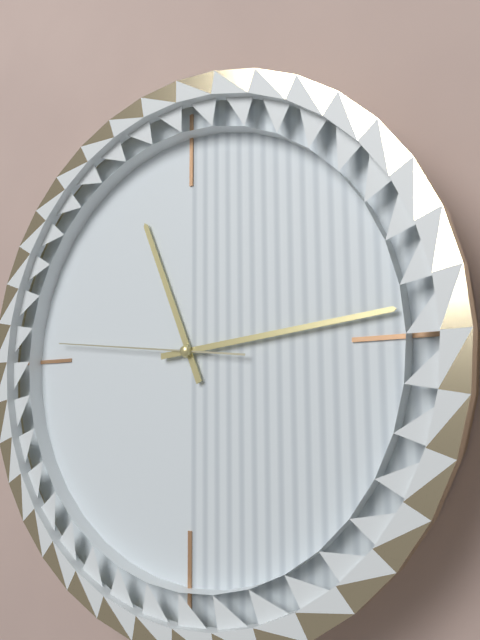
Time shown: 11:14:46
